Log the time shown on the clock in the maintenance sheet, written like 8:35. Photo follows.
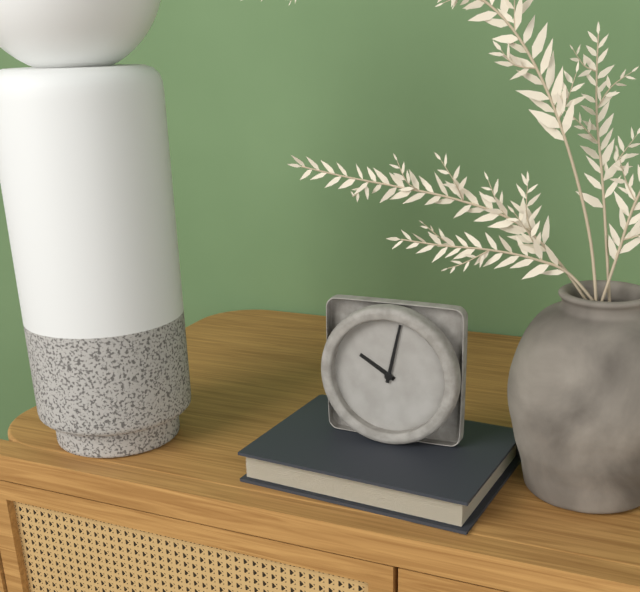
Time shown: 10:02
